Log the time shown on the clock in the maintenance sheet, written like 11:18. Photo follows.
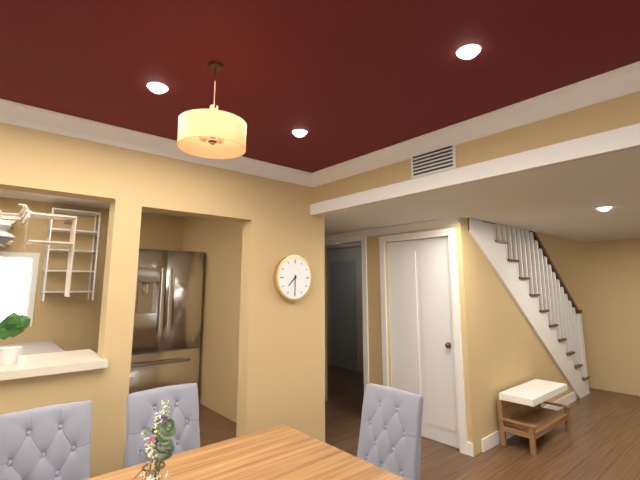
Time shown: 7:30
